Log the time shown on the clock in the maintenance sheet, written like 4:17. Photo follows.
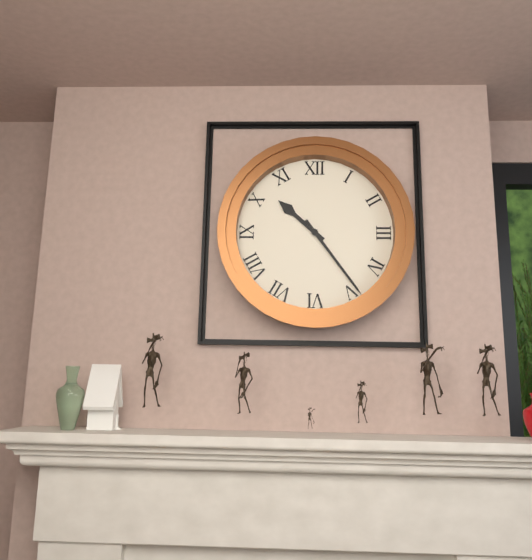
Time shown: 10:24
